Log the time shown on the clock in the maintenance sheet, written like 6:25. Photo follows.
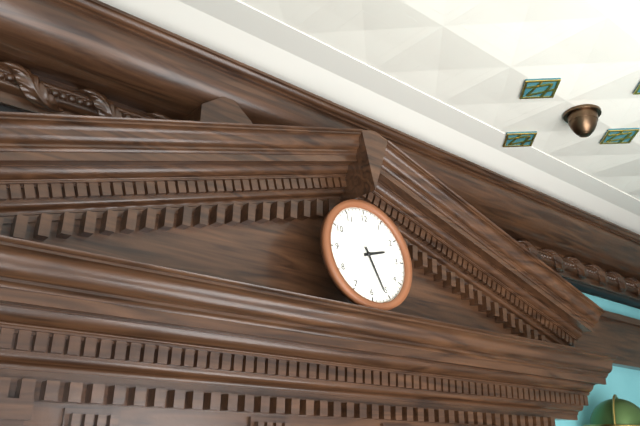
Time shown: 2:26
